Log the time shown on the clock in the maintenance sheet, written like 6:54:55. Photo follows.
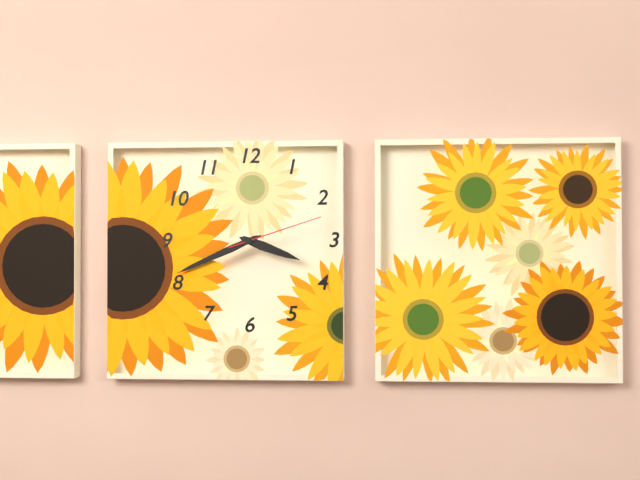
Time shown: 3:41:12
